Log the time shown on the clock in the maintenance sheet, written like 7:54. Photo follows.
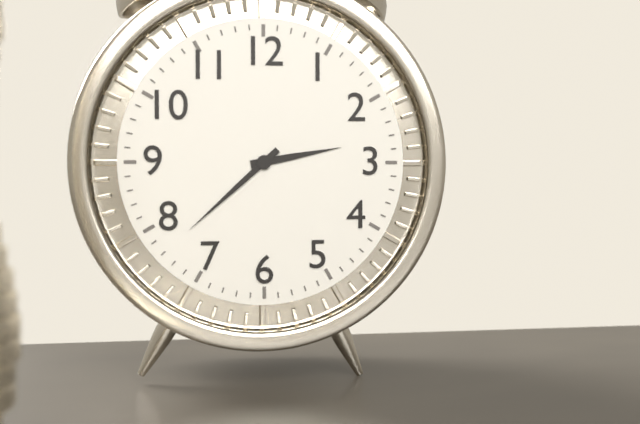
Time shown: 2:38
